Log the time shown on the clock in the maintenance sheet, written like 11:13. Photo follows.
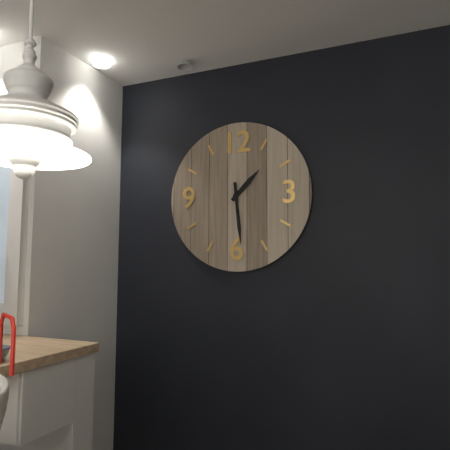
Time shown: 1:29
